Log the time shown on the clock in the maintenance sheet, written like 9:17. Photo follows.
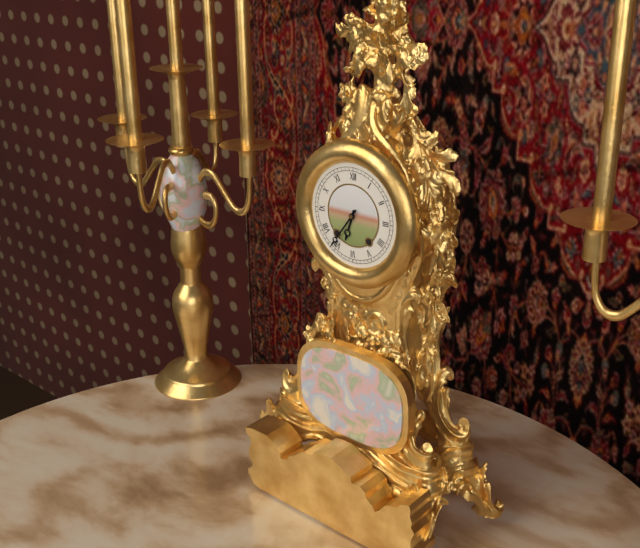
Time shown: 6:36
